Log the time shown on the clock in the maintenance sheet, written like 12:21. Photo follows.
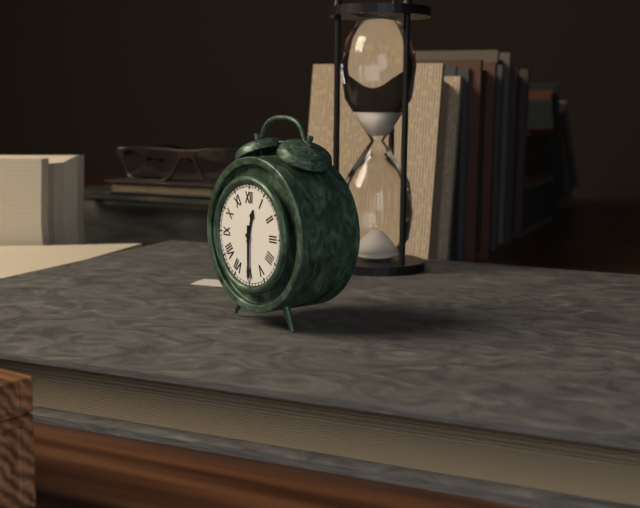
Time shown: 12:30
